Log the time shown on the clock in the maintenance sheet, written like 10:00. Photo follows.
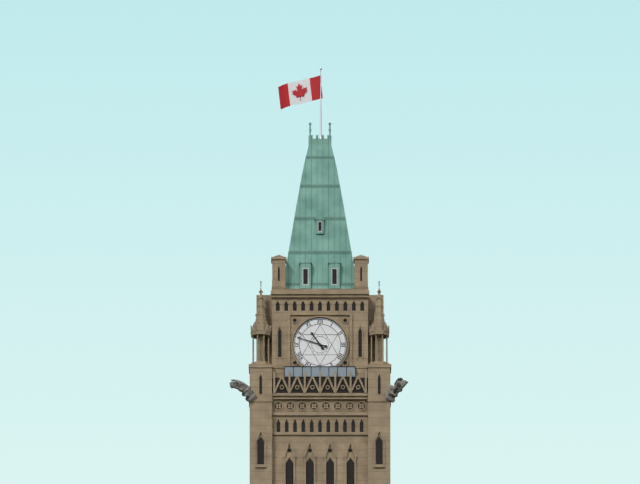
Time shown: 10:48
